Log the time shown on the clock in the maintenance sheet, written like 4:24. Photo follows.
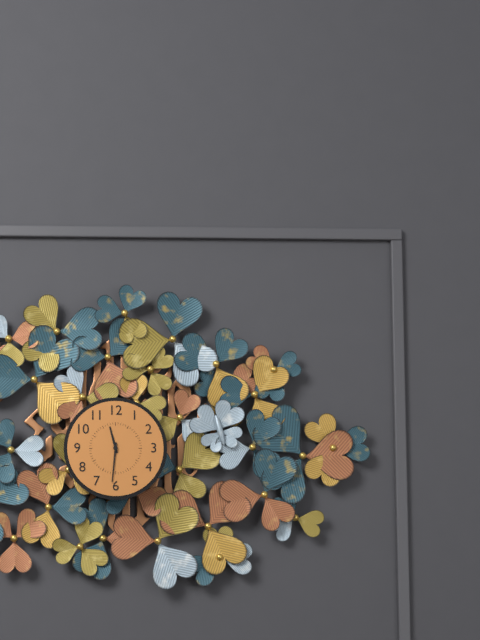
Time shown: 11:31
